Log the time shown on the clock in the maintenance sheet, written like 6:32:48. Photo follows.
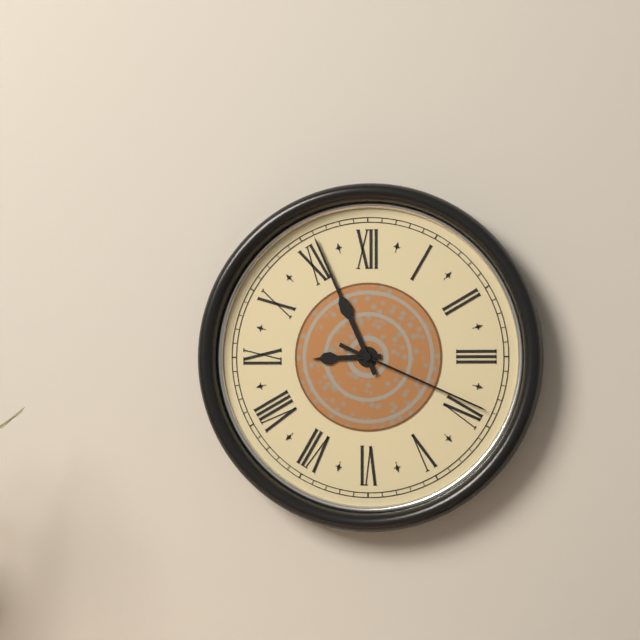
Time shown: 8:56:19
